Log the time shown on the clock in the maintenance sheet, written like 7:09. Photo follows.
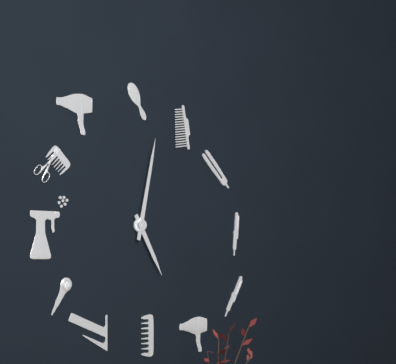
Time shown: 5:02
